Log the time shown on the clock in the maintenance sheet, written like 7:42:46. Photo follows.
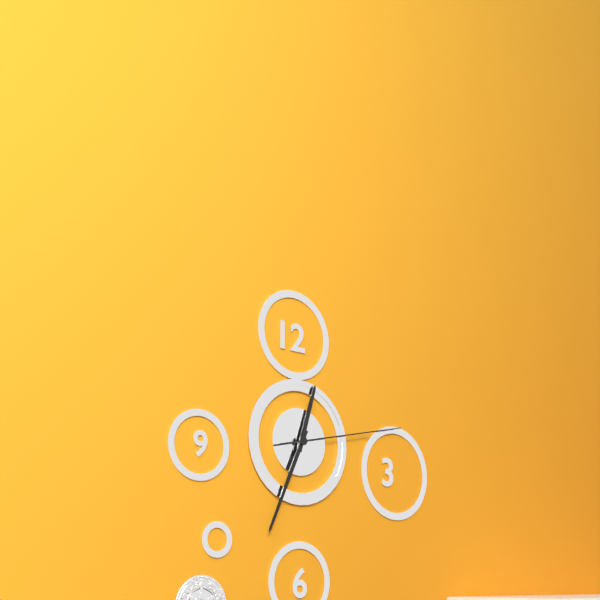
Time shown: 12:34:13
